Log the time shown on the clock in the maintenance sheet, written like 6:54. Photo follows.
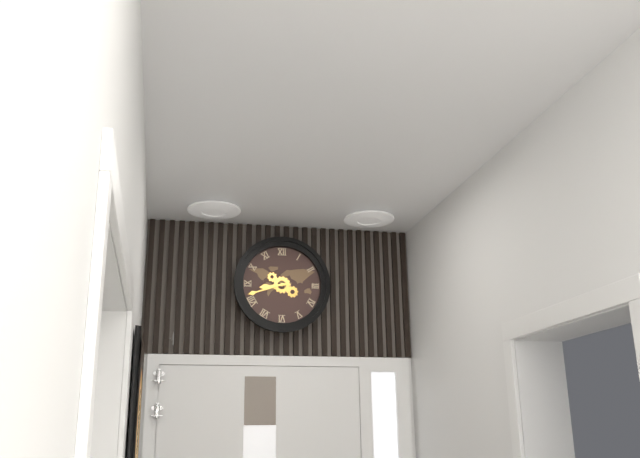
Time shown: 8:42
